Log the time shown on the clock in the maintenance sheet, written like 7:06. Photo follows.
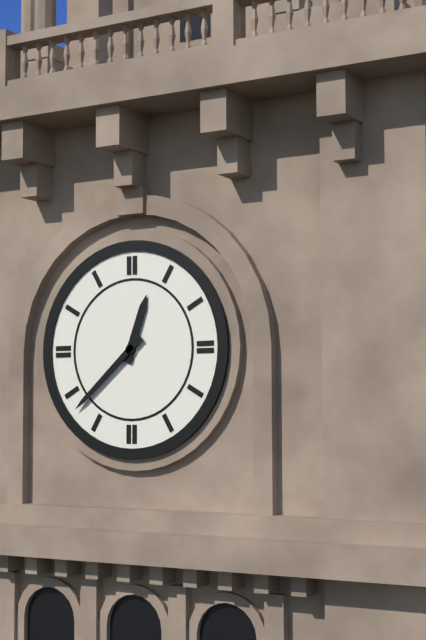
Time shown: 12:38
